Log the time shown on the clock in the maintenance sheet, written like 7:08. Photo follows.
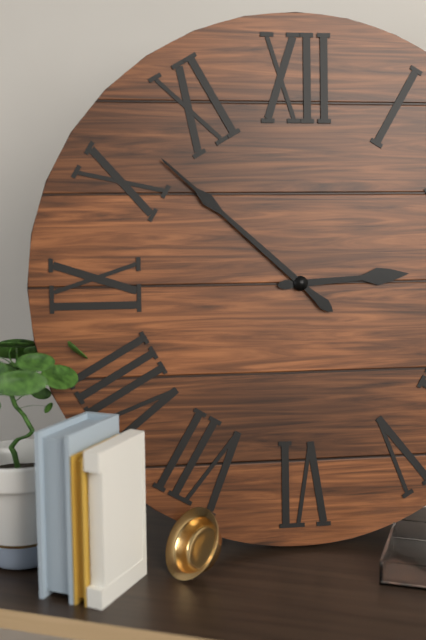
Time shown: 2:52
